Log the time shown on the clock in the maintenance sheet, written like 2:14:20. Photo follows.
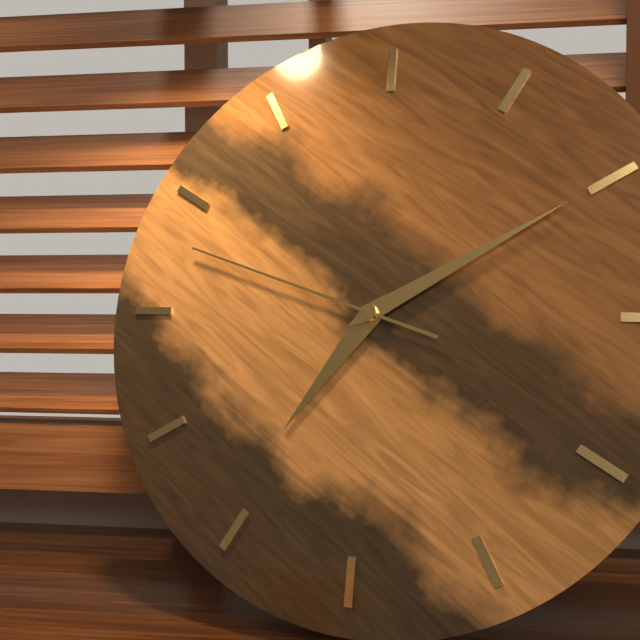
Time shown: 7:10:48
